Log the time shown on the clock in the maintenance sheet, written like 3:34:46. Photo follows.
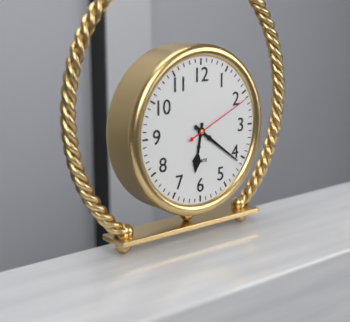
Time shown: 6:21:11
